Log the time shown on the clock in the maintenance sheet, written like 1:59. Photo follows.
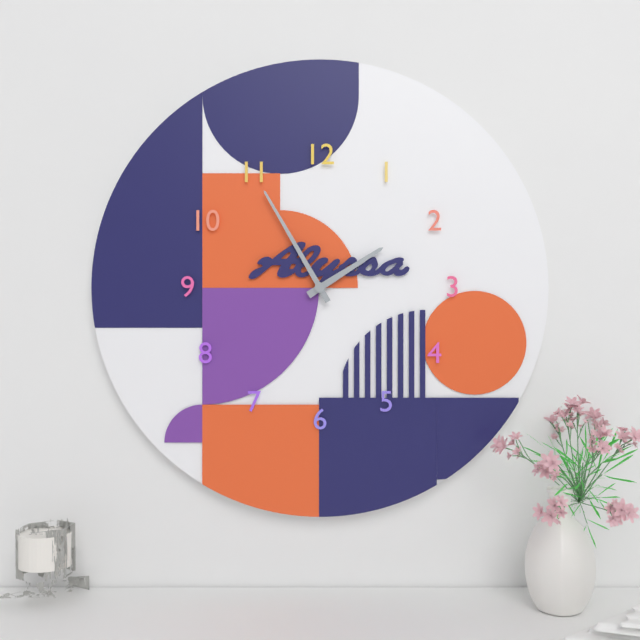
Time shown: 1:55
